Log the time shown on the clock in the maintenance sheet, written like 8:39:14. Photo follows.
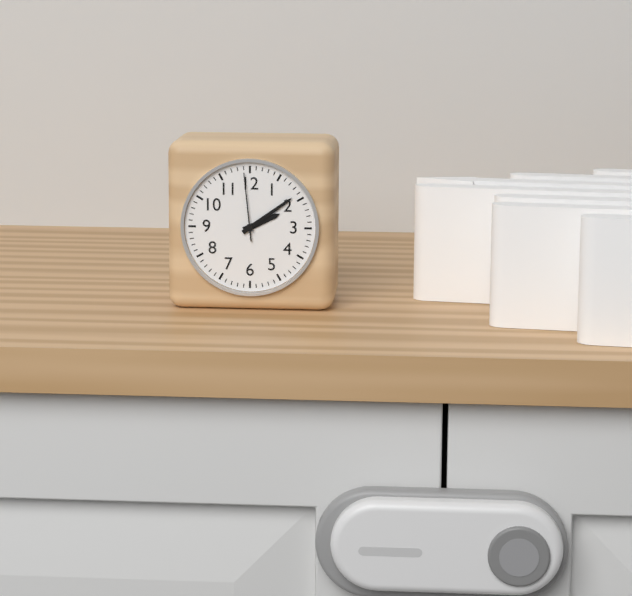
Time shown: 2:09:59
